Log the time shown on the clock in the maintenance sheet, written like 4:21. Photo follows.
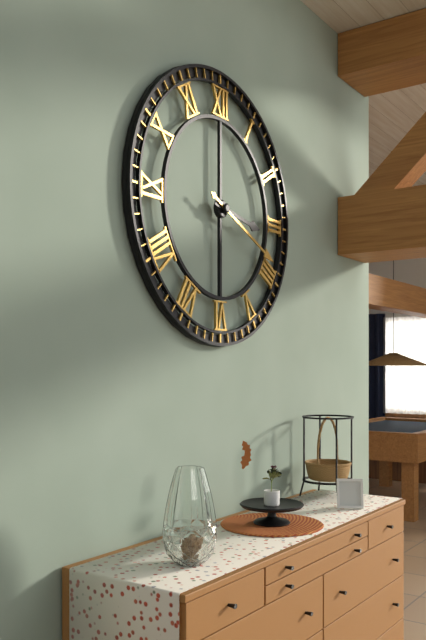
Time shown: 3:19
